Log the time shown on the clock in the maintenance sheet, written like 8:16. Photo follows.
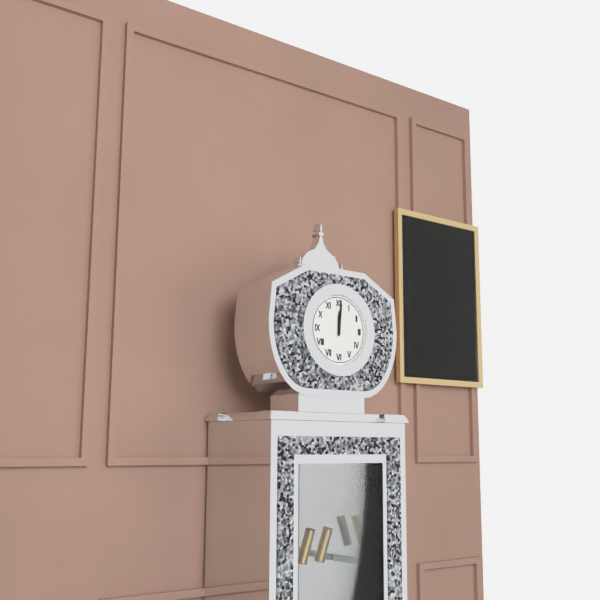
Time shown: 12:01
